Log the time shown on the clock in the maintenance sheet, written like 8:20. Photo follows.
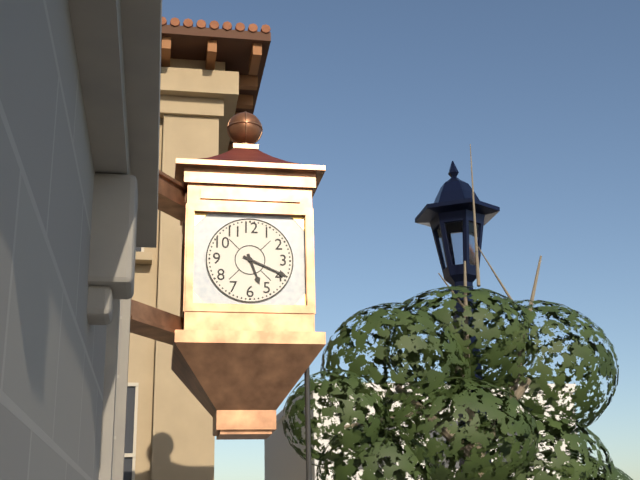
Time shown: 5:19
